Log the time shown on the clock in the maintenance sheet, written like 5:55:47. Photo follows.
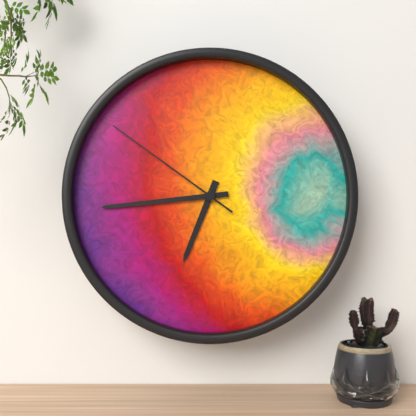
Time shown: 6:44:51
